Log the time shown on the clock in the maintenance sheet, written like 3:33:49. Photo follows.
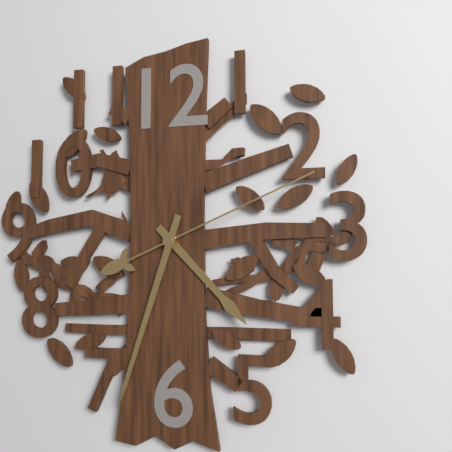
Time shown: 4:33:11
